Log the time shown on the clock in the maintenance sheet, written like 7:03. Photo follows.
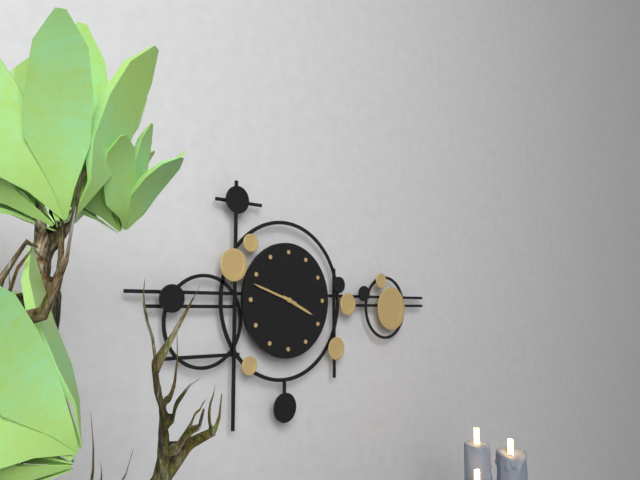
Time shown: 3:48
